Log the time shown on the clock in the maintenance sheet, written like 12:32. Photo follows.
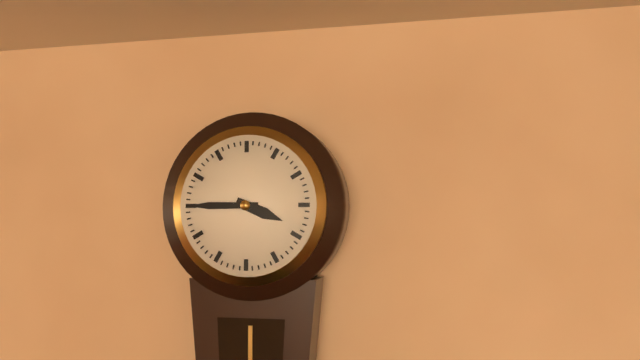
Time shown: 3:45
